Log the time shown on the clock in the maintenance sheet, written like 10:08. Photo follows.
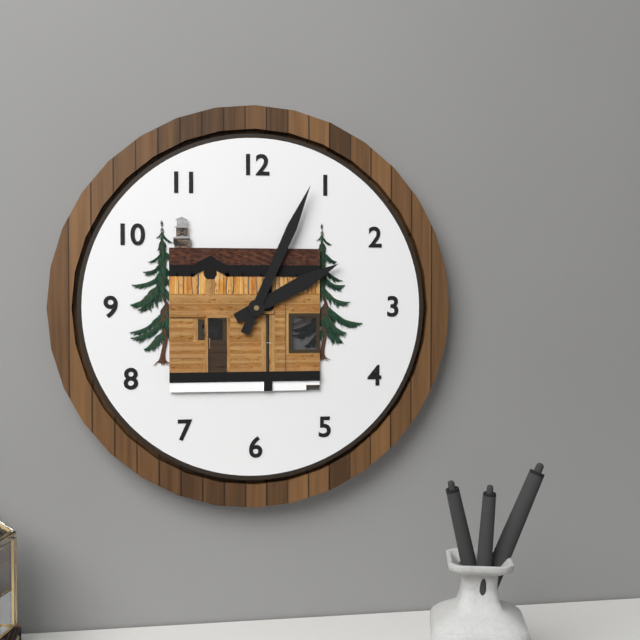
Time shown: 2:04
